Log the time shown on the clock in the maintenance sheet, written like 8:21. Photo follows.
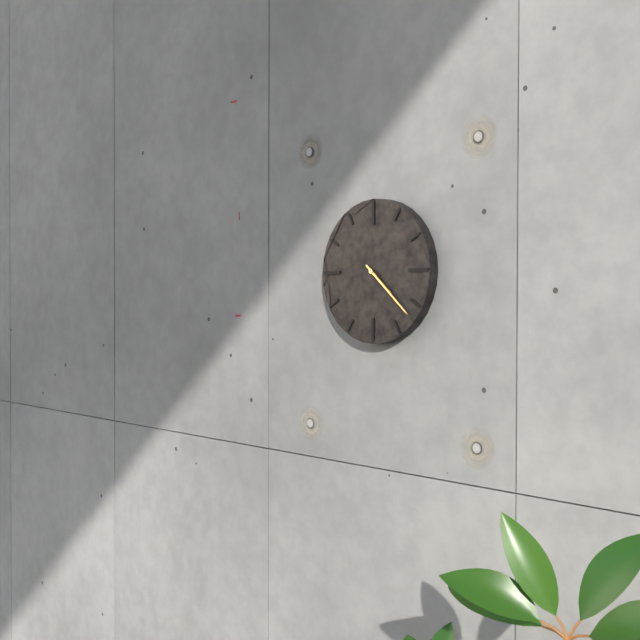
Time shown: 4:22
